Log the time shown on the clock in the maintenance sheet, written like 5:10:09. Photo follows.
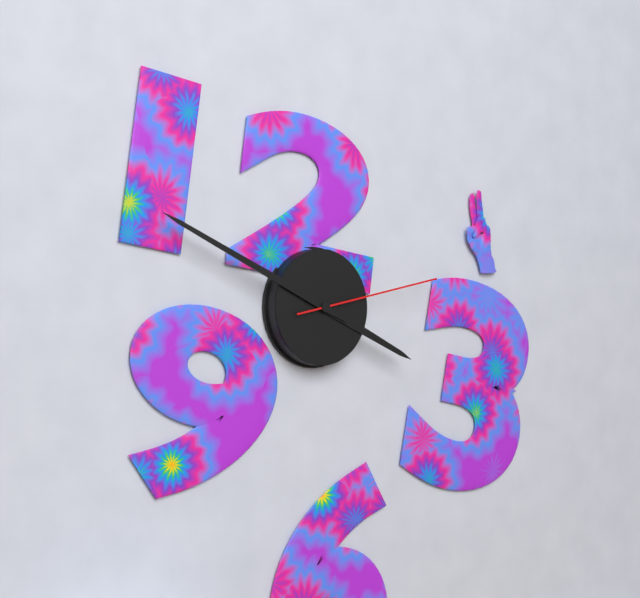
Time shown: 3:49:13
